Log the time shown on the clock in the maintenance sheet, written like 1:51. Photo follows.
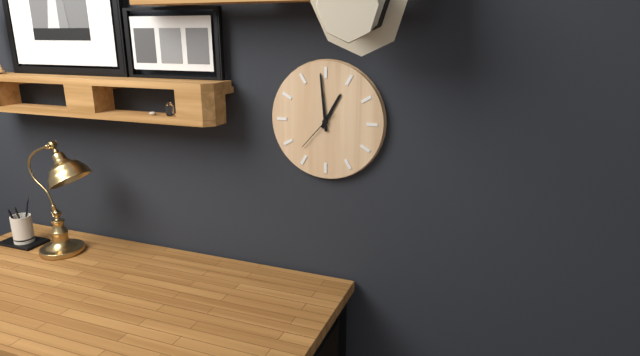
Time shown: 12:59
